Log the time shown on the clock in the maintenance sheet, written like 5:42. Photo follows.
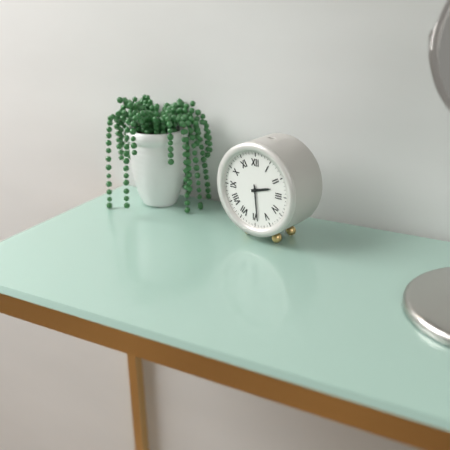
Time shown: 2:29
